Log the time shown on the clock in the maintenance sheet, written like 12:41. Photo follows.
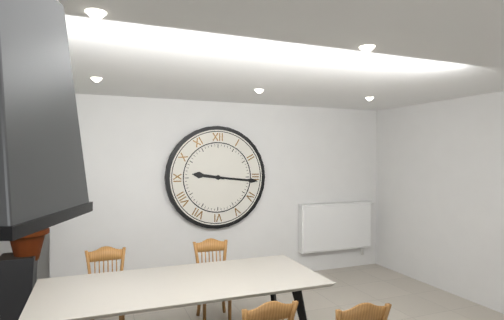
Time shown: 9:16
